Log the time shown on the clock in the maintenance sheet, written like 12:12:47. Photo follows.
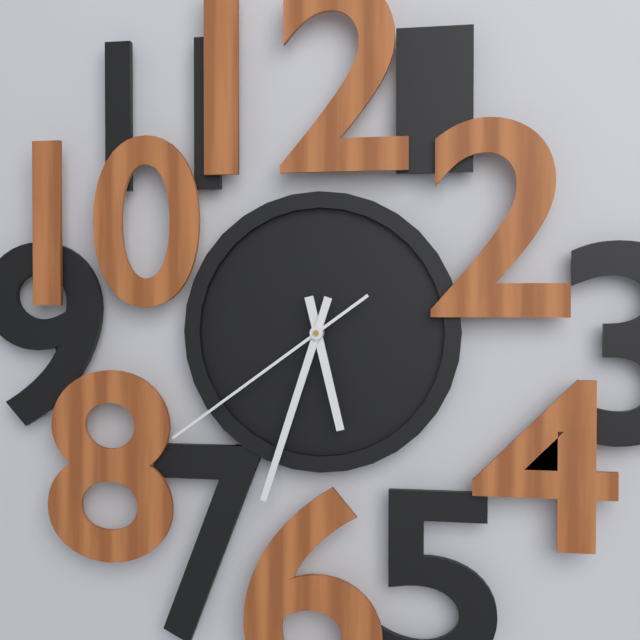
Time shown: 5:33:39
